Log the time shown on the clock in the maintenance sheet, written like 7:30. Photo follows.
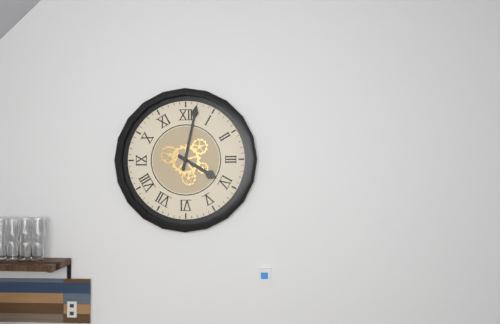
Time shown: 4:02
